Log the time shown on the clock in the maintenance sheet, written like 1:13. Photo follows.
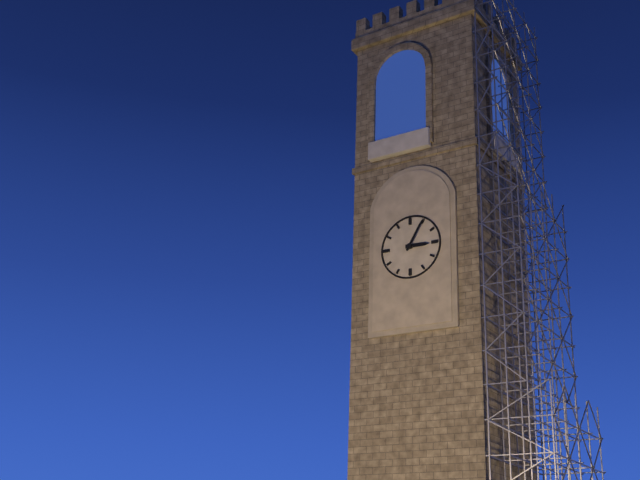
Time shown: 3:05
